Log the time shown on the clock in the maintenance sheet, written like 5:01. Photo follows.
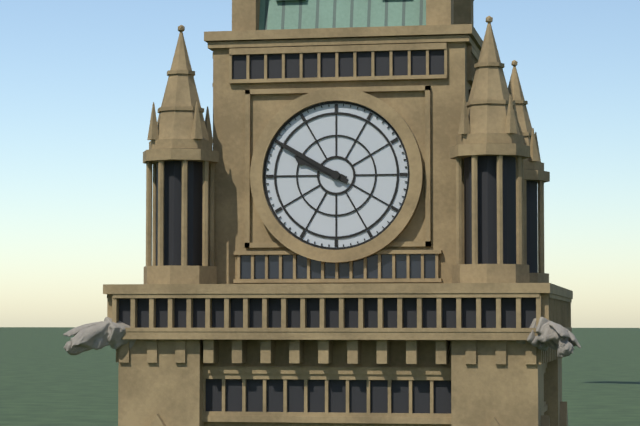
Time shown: 9:50
